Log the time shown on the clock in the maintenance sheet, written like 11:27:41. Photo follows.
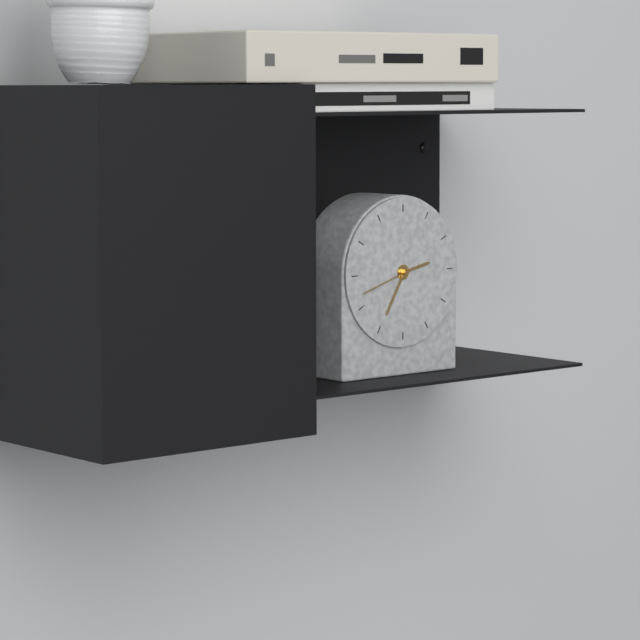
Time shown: 2:35:42
